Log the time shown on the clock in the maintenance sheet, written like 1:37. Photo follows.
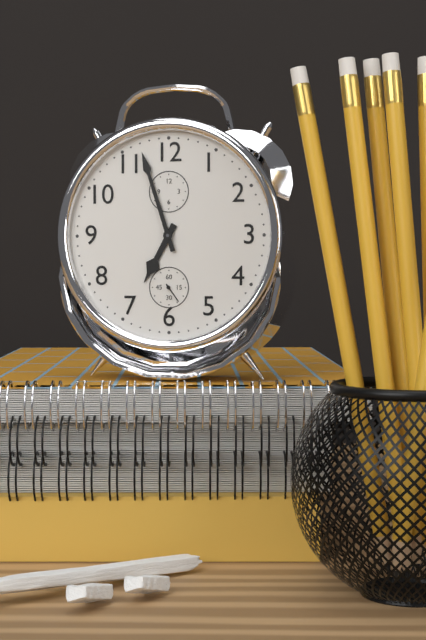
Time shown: 6:57
